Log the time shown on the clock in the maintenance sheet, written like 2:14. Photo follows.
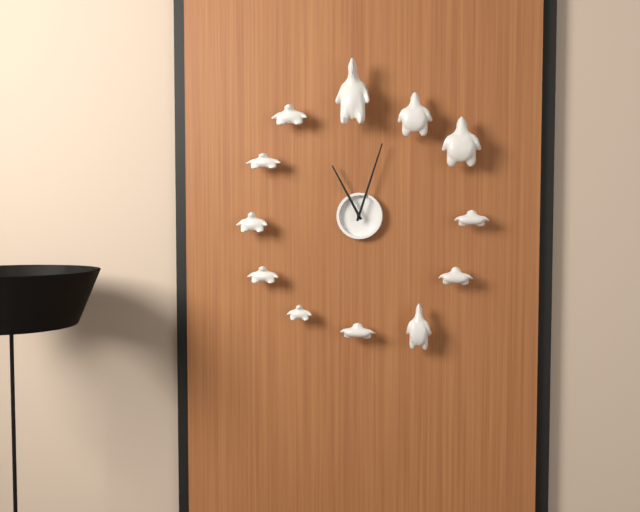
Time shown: 11:03
